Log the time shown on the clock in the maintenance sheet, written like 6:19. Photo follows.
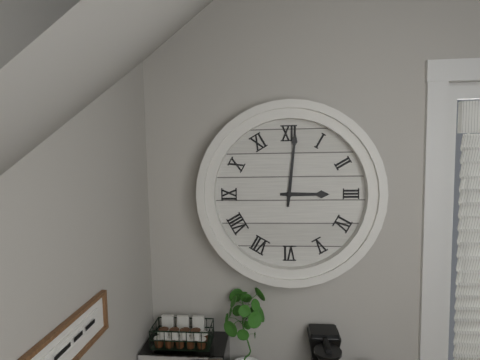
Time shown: 3:01
